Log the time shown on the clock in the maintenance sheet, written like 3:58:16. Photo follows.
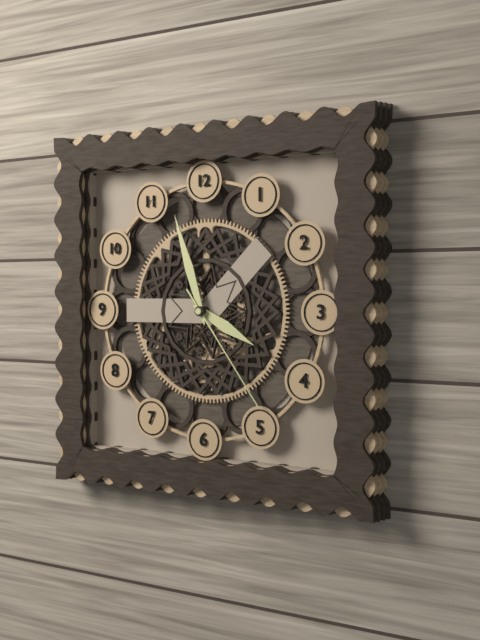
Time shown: 3:57:24
